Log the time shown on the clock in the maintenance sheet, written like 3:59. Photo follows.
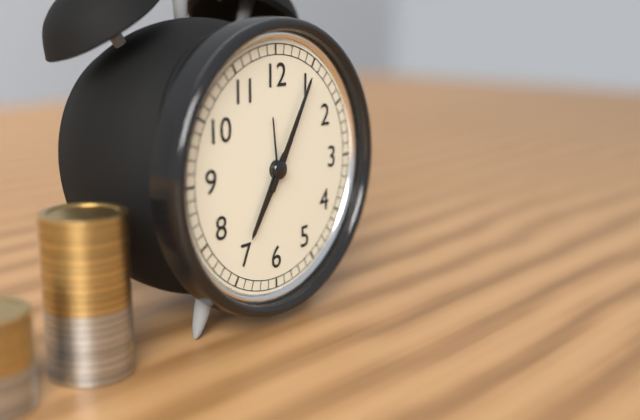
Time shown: 7:05
